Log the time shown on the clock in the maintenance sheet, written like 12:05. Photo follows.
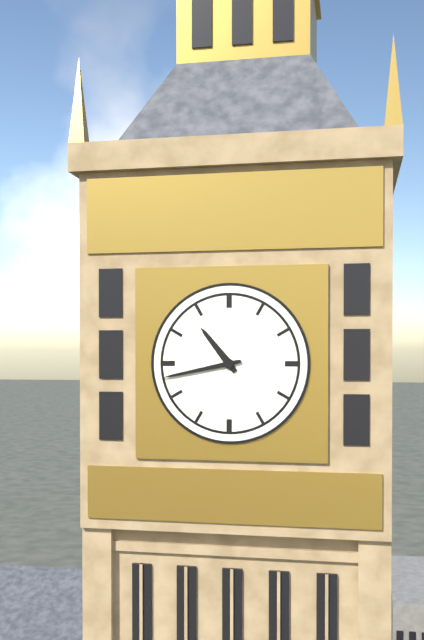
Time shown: 10:43
